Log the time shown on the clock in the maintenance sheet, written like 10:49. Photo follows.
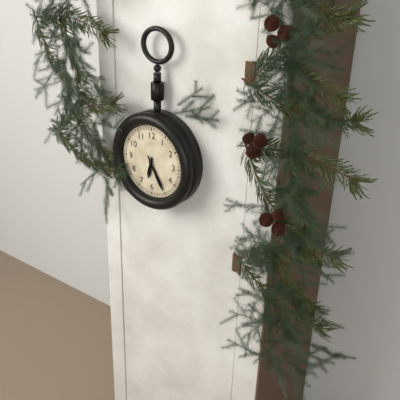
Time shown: 6:25
